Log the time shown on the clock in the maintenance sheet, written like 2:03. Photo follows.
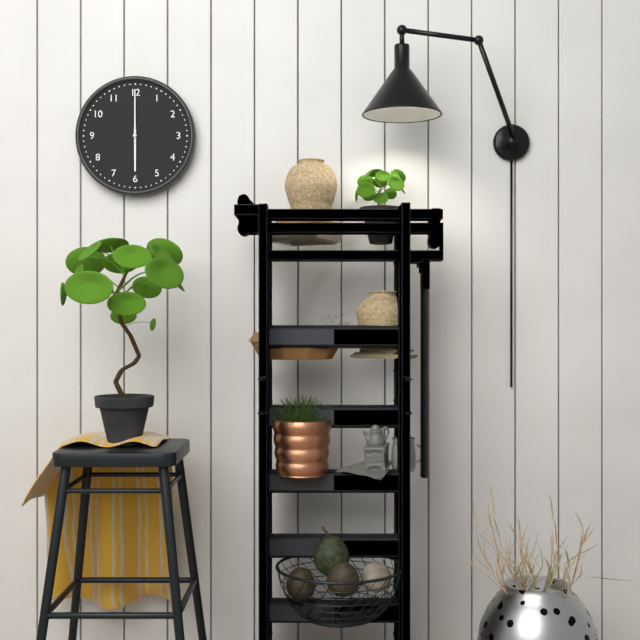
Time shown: 6:00
